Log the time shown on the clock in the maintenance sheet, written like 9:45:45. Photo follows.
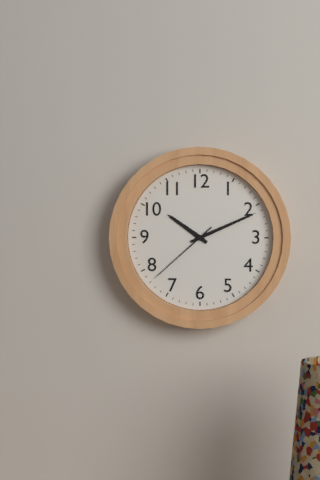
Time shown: 10:11:38
